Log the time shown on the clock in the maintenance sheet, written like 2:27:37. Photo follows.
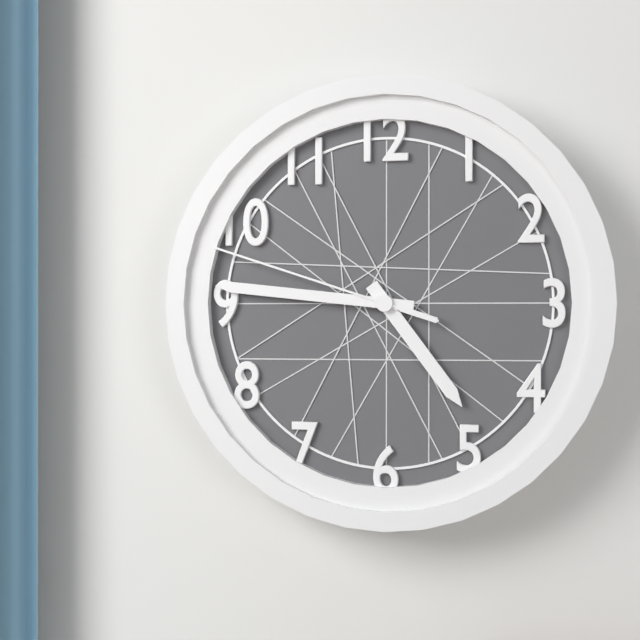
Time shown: 4:46:48
